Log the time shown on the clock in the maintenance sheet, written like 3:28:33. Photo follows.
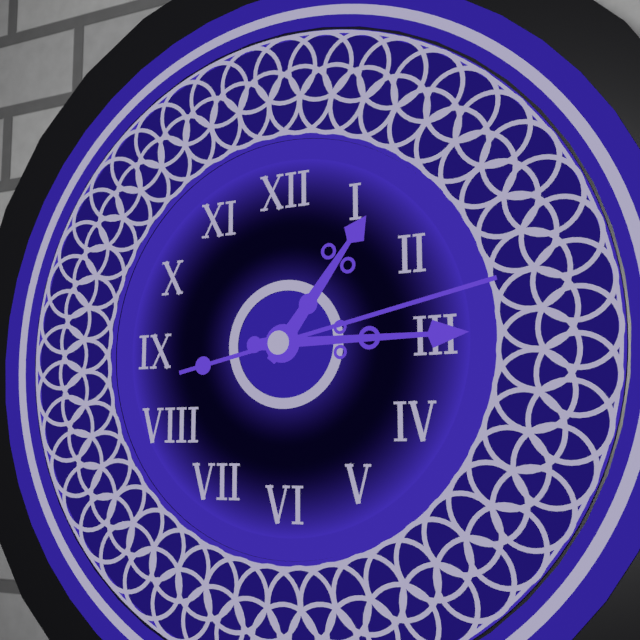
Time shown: 1:15:13
